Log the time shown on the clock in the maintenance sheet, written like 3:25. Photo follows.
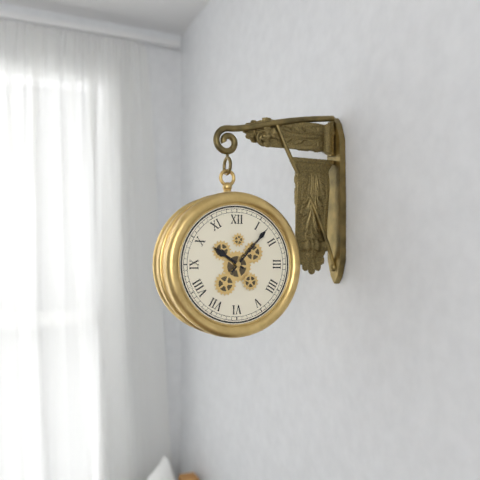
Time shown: 10:07
